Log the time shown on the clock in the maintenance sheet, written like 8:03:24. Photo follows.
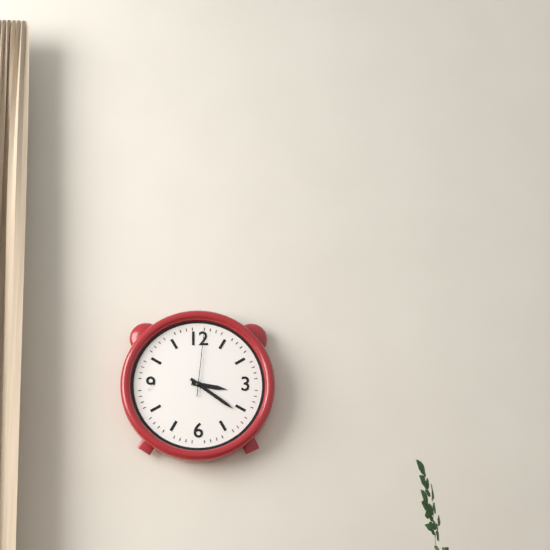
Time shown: 3:21:01
